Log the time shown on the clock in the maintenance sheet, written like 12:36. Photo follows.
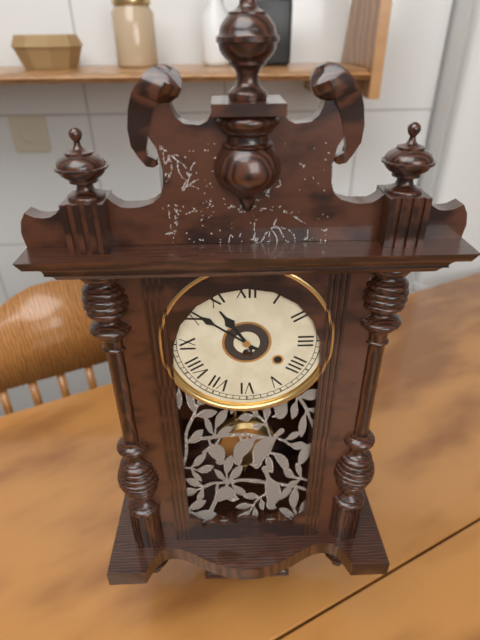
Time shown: 10:51
